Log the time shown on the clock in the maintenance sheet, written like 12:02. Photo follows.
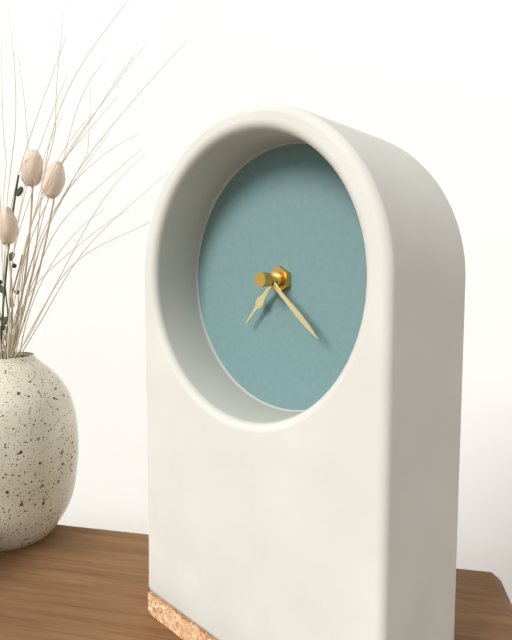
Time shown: 7:22
